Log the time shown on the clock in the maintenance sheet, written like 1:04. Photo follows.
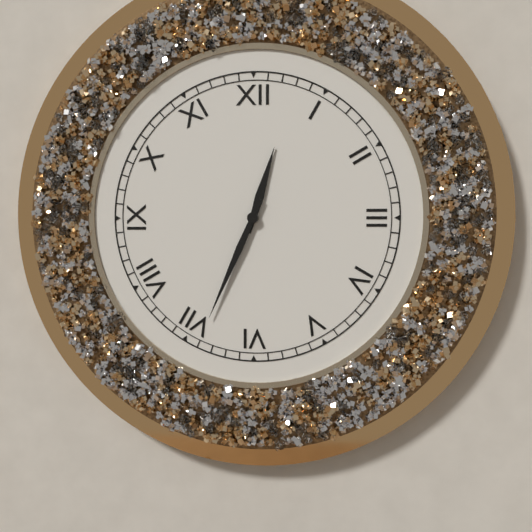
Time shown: 12:34
